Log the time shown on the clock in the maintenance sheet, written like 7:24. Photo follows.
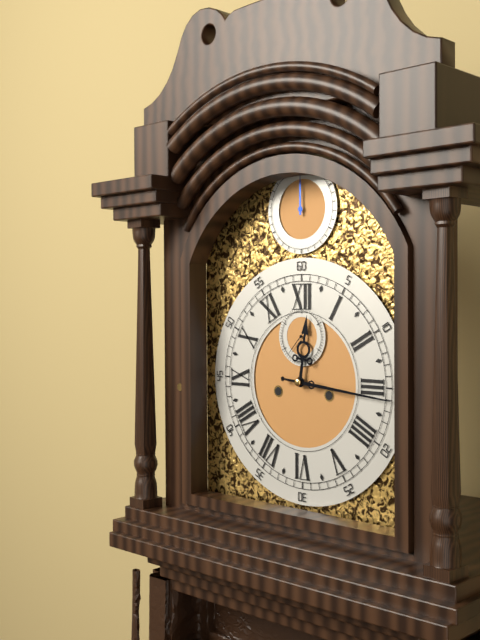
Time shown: 12:16
